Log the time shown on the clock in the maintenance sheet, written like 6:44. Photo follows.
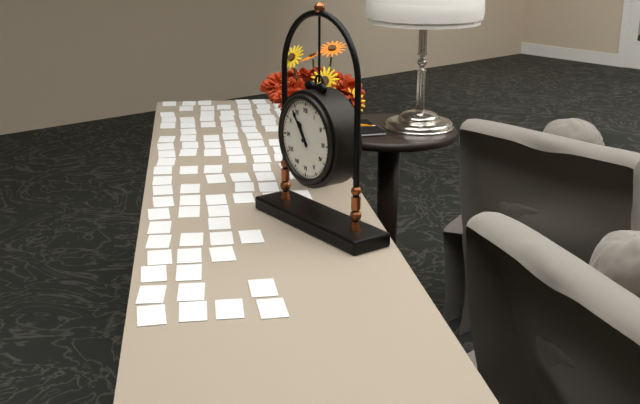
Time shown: 10:54
